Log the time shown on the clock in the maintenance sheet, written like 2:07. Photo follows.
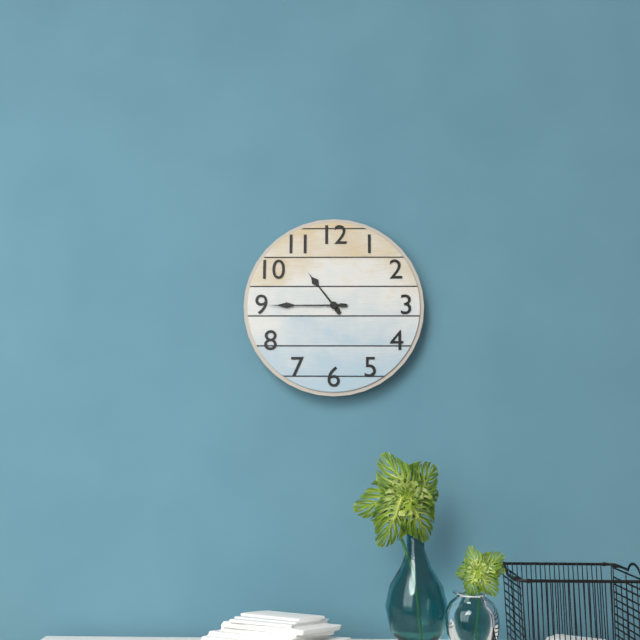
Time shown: 10:45
